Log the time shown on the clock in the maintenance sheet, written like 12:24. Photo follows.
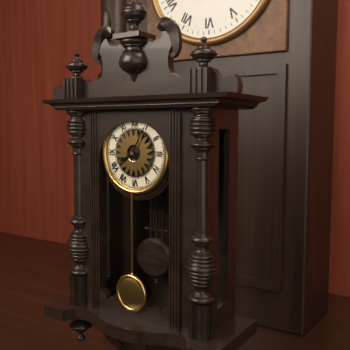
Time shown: 8:05
